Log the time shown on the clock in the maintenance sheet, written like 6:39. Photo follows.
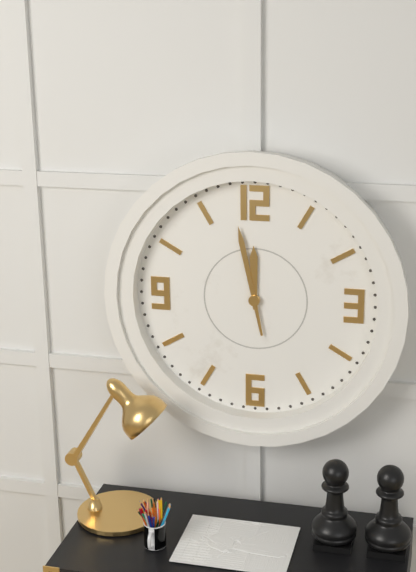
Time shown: 11:58
